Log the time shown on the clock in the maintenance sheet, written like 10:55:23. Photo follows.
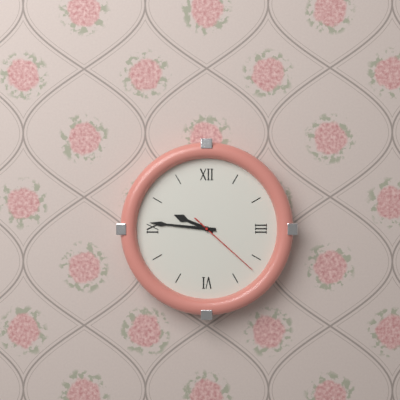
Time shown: 9:46:22
